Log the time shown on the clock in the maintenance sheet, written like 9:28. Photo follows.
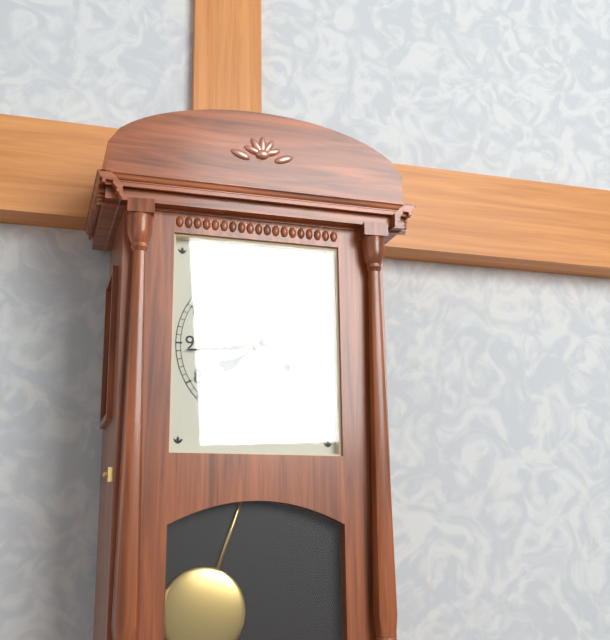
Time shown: 7:44
